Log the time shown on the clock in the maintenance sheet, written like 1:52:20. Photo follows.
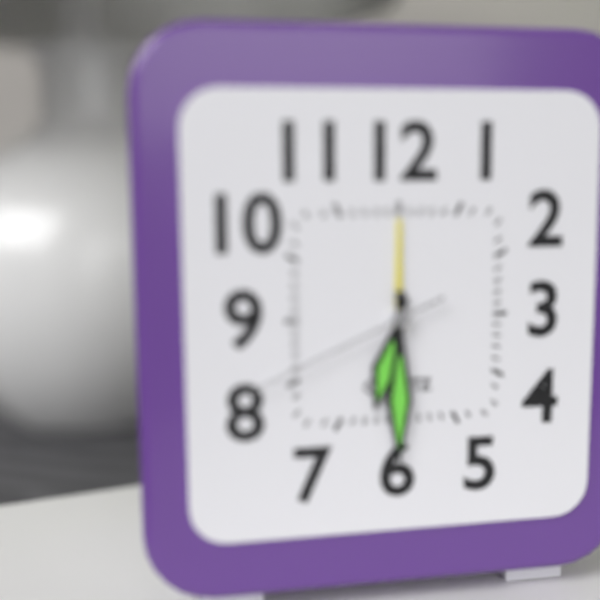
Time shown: 6:30:41
